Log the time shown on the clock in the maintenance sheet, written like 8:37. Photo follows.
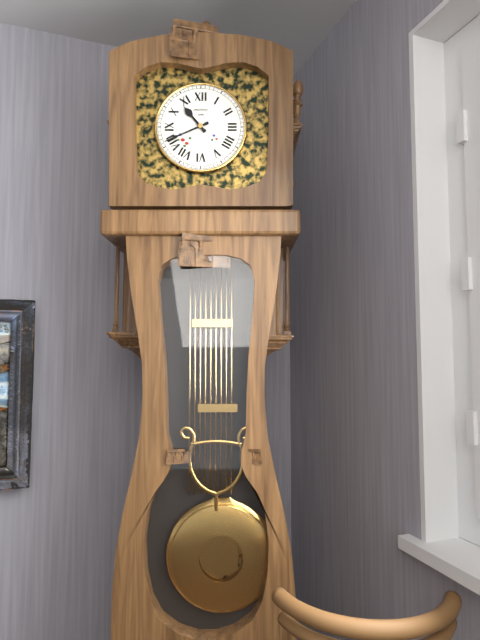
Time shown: 10:41
